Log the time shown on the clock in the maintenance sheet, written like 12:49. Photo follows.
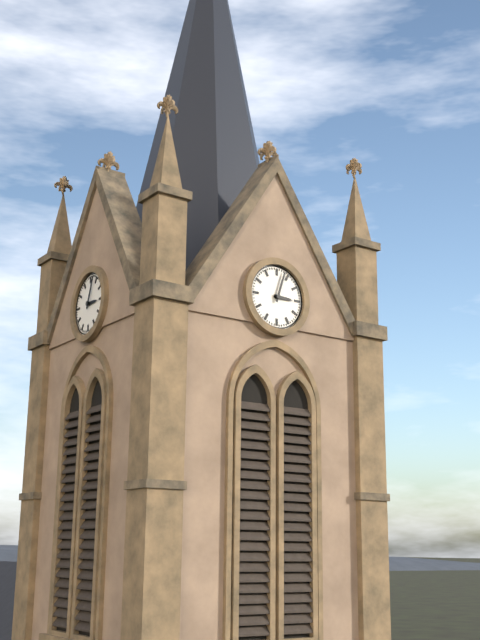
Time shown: 3:03
